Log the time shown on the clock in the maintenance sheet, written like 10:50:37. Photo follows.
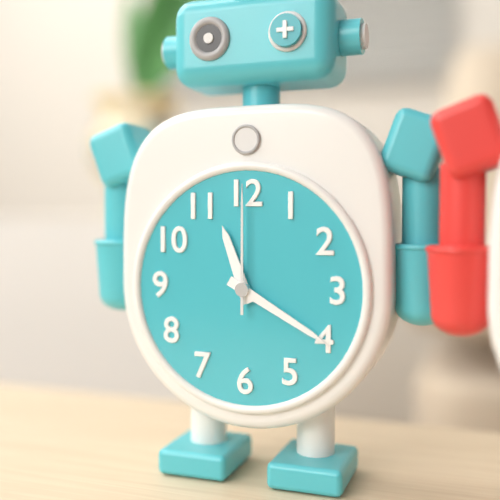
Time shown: 11:20:00
